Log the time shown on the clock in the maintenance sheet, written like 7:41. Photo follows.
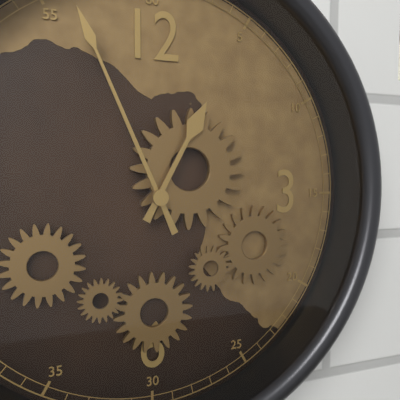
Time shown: 12:56
